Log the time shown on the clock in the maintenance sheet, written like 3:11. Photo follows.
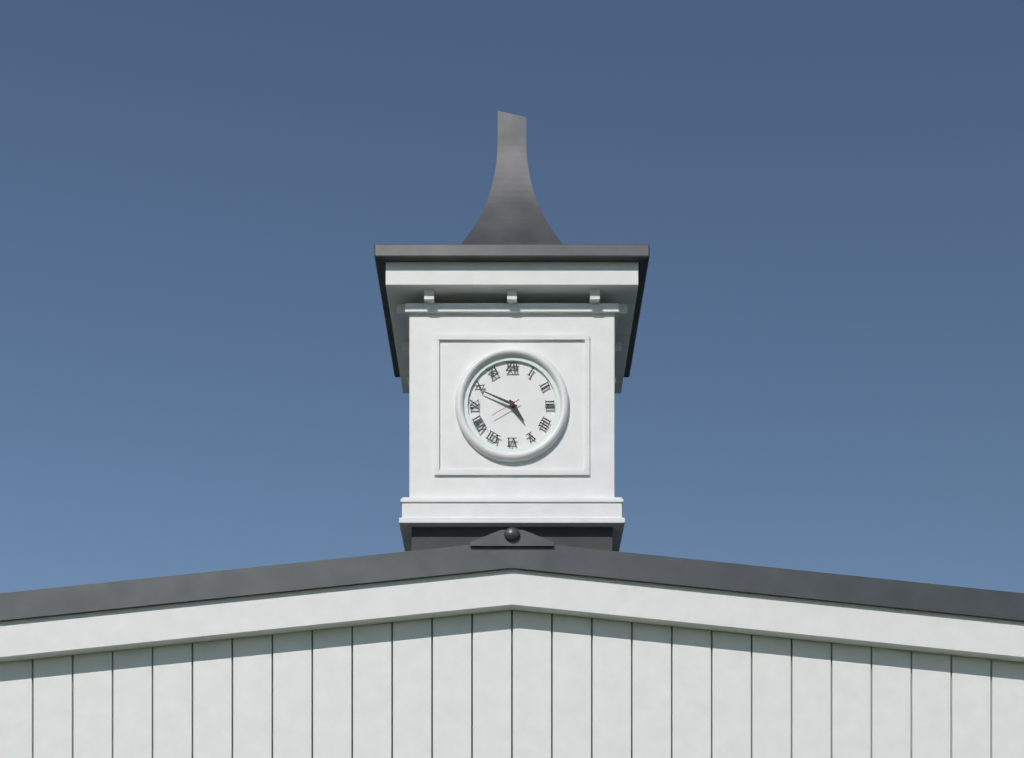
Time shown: 4:49
